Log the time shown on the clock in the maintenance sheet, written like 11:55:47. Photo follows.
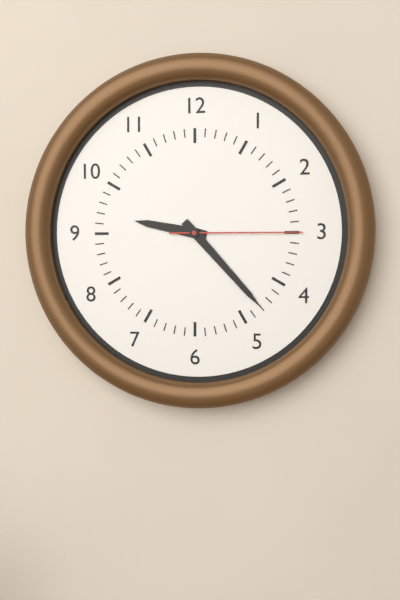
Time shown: 9:23:15
